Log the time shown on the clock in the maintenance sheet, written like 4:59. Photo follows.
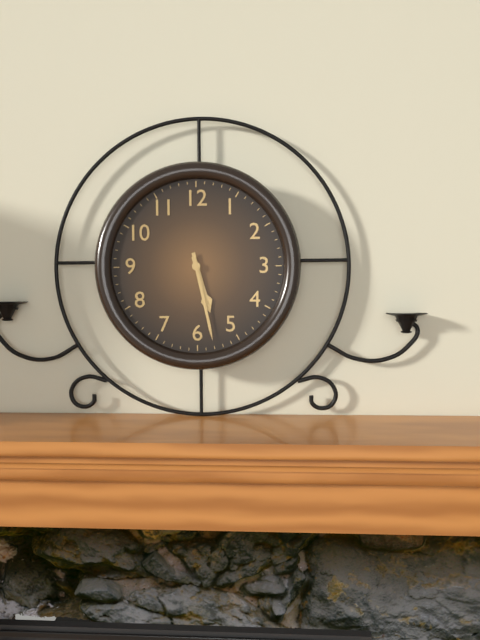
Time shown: 5:28
